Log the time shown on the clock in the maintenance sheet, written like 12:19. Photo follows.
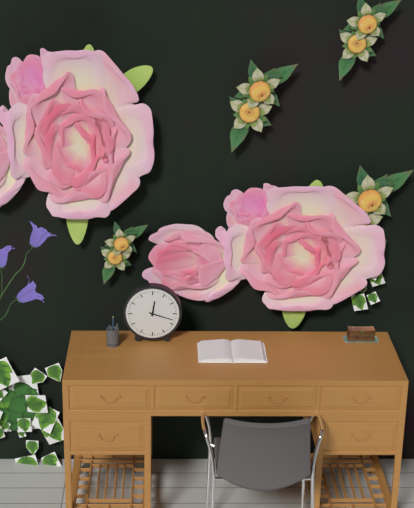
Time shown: 12:18
